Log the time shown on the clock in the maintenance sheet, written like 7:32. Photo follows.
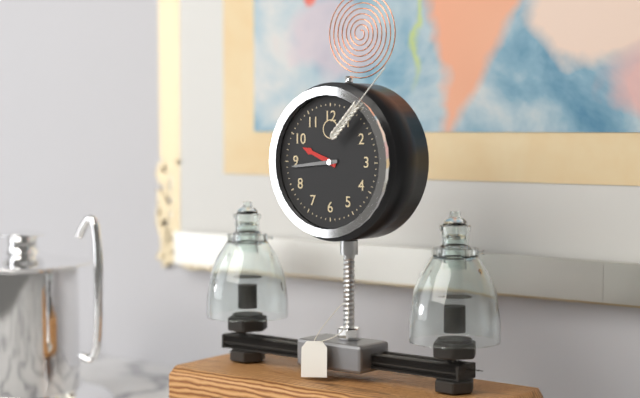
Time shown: 9:44
